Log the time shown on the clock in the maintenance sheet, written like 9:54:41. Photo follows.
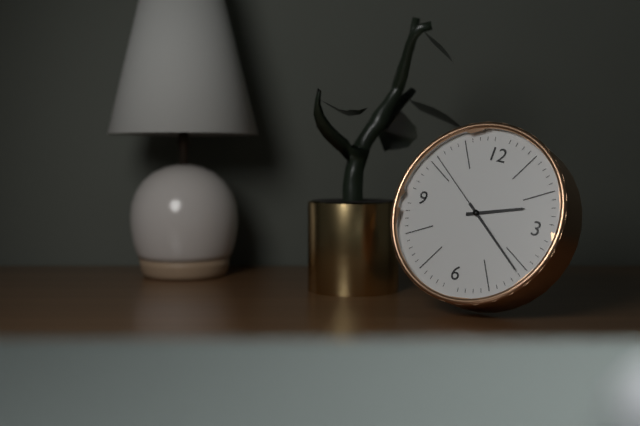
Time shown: 2:21:51
